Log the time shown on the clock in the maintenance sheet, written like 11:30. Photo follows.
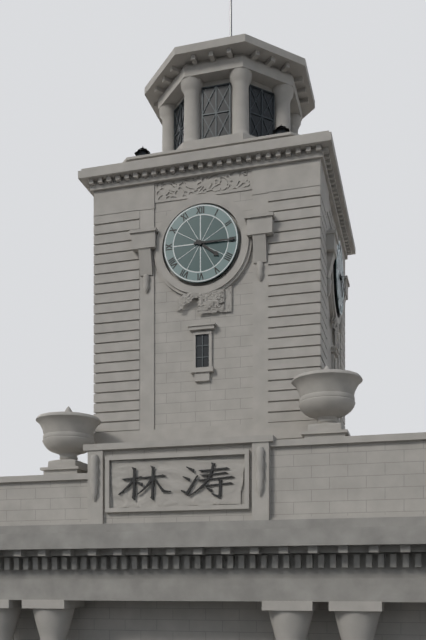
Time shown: 4:15
